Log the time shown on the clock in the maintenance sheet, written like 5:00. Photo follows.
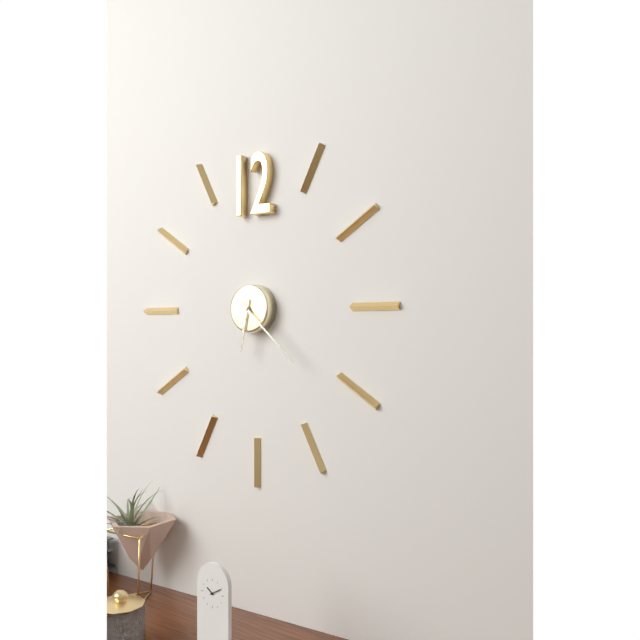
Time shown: 6:22
